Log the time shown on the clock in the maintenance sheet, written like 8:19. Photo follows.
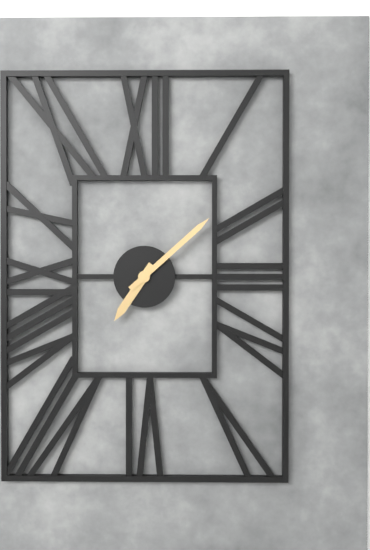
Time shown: 7:08
